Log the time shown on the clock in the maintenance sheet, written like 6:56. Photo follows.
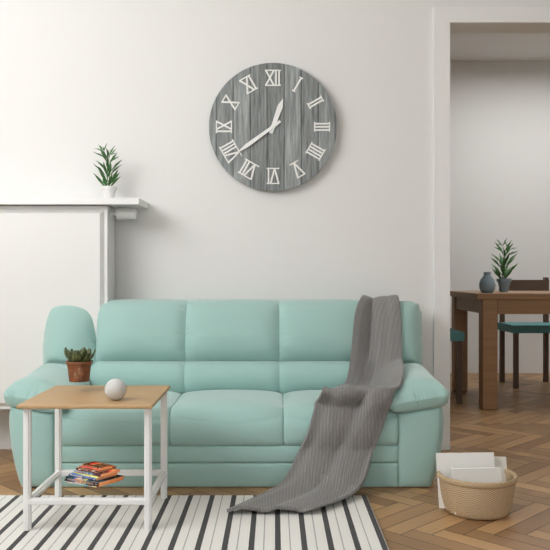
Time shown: 12:39
